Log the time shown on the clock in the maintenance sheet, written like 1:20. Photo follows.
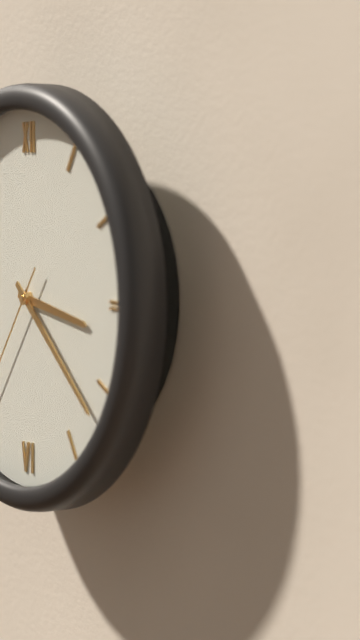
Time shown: 3:22
